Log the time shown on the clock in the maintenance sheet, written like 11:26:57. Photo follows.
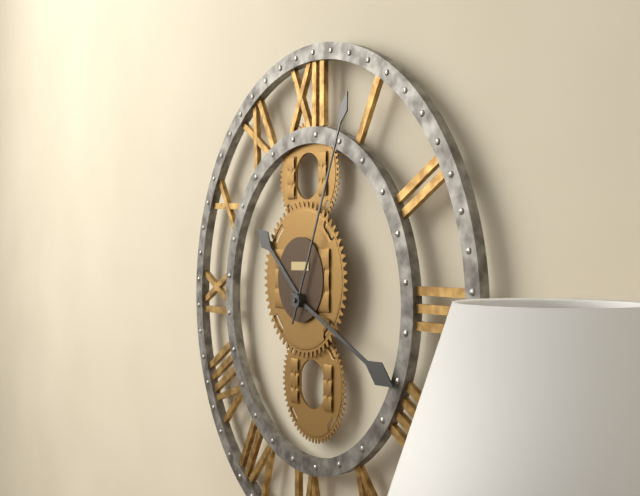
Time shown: 10:19:04
